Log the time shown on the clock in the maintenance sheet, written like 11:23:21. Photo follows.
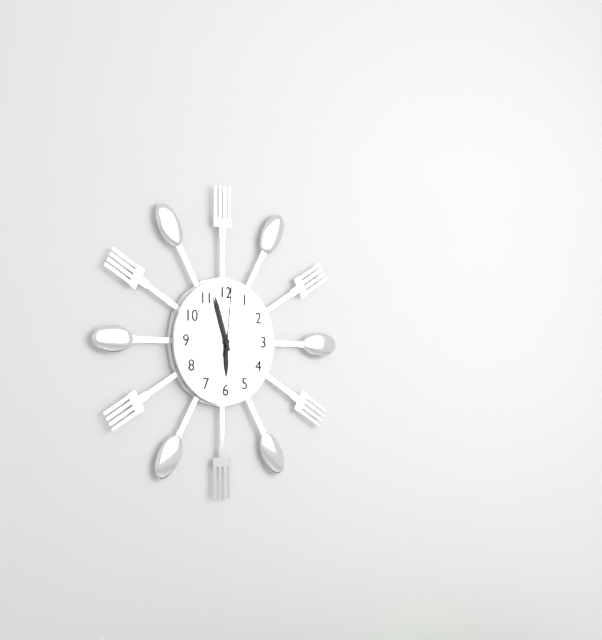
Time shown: 5:57:01
